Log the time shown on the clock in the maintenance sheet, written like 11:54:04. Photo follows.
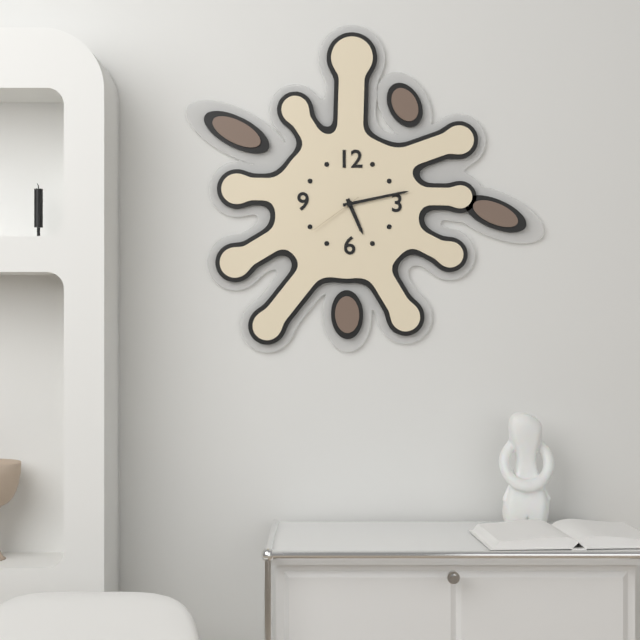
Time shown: 5:13:39
